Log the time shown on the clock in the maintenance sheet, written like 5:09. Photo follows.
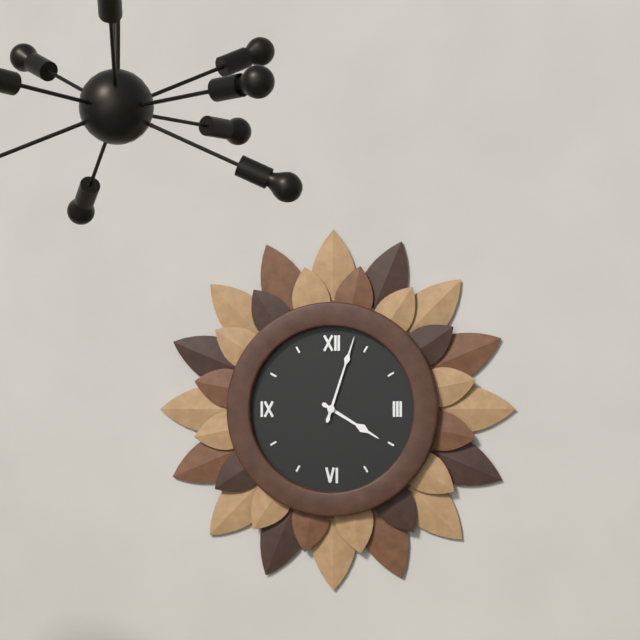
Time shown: 4:03
